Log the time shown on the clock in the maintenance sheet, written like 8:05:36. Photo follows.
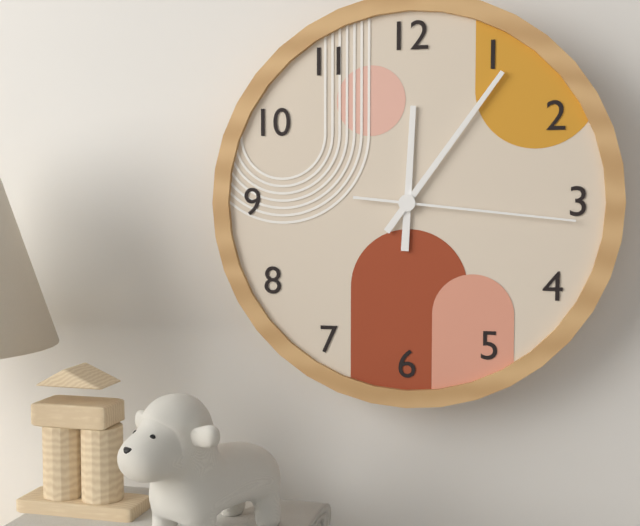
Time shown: 12:06:16
